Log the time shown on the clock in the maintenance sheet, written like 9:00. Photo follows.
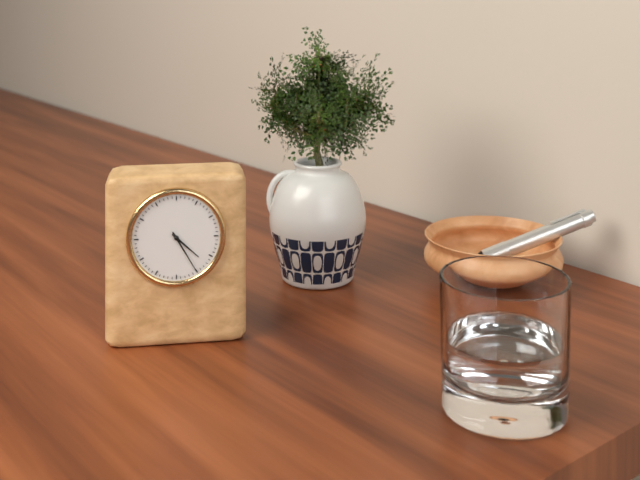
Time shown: 4:25
